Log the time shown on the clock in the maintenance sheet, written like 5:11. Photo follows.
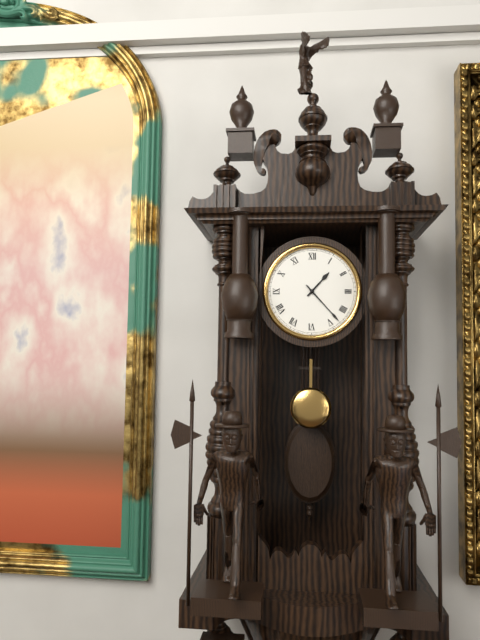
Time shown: 1:23
